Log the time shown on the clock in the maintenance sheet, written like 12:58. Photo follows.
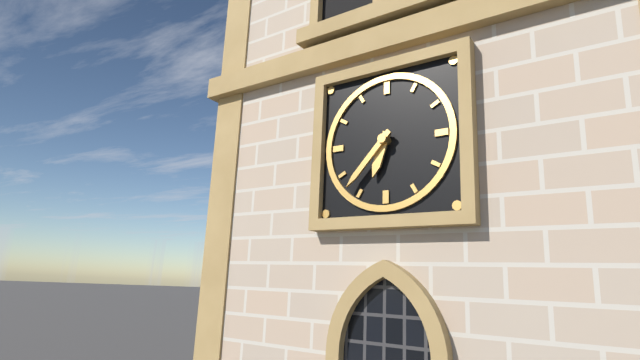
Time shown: 6:37
